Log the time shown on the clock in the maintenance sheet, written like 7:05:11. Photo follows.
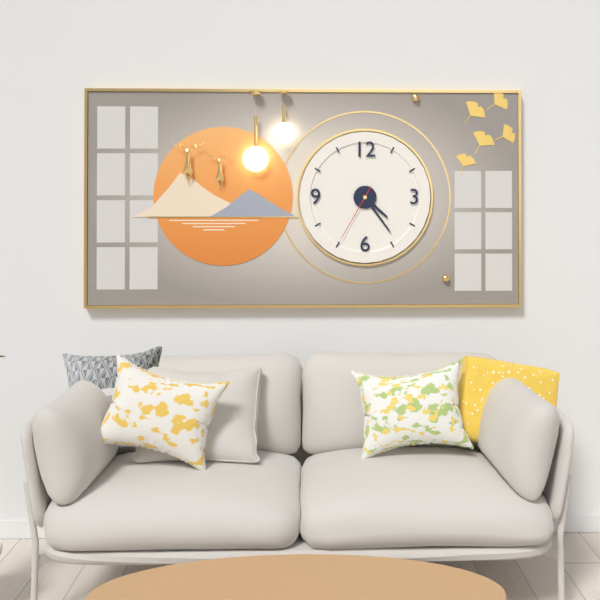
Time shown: 4:24:35
